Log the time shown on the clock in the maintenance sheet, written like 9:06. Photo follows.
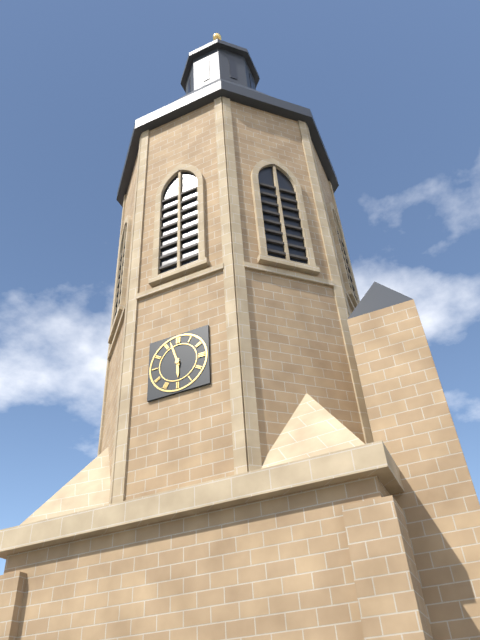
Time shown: 5:57
